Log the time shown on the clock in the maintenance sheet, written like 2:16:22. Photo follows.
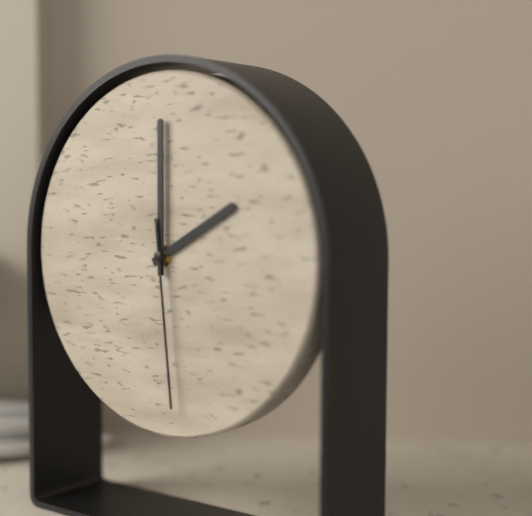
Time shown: 2:00:29
